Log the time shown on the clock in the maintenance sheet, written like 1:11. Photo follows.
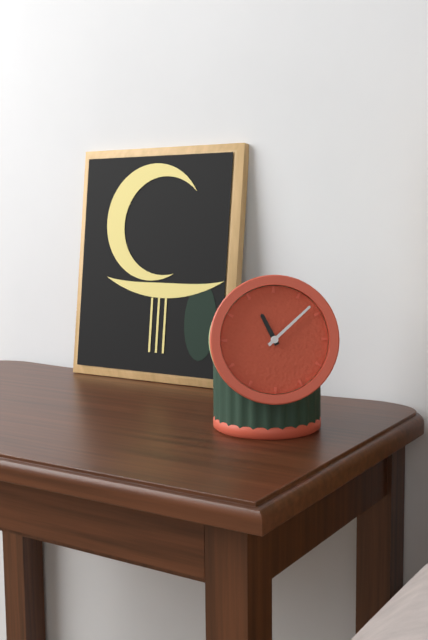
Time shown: 11:08
